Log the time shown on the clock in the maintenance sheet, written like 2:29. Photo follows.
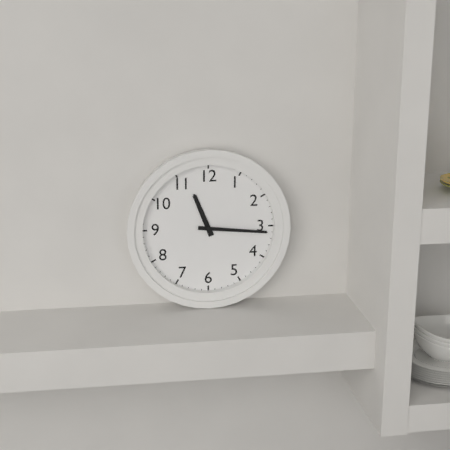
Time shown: 11:16
